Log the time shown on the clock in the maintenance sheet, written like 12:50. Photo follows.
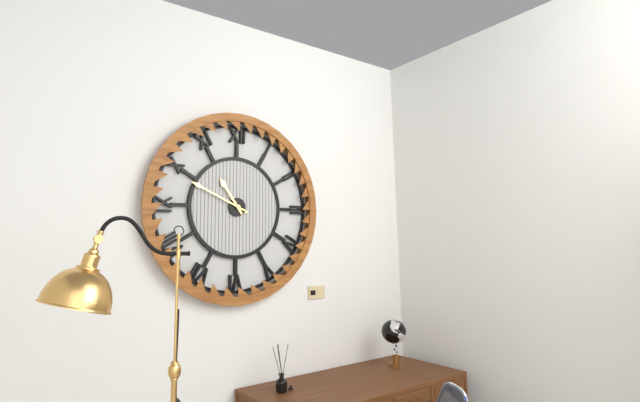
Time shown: 10:49
